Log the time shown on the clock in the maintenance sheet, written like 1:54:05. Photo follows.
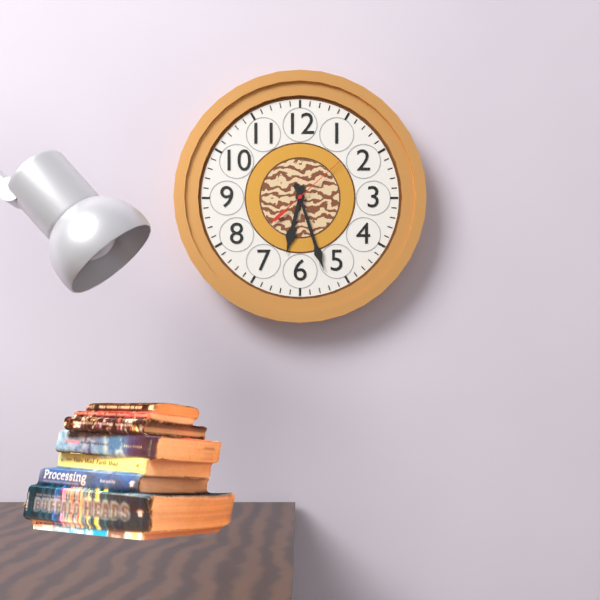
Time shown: 6:27:08
